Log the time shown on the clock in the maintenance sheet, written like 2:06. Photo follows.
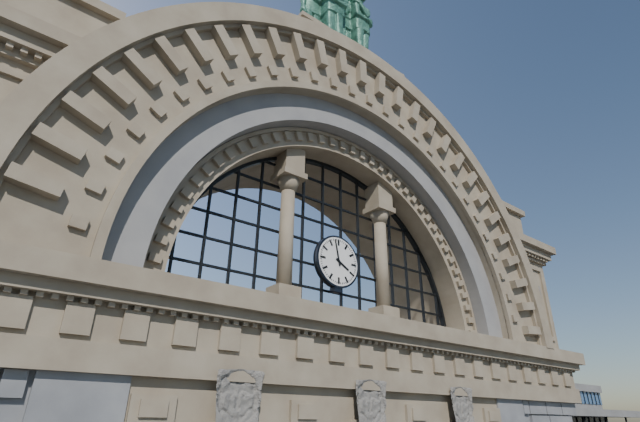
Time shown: 3:58
